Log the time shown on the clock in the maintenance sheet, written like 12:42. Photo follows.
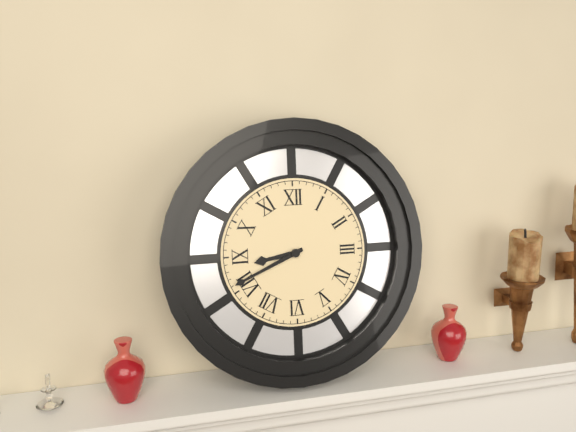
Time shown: 8:41
